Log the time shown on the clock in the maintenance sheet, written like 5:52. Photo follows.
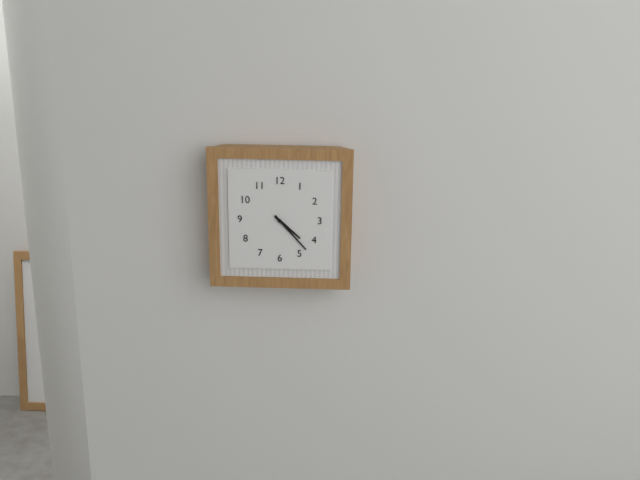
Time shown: 4:23
